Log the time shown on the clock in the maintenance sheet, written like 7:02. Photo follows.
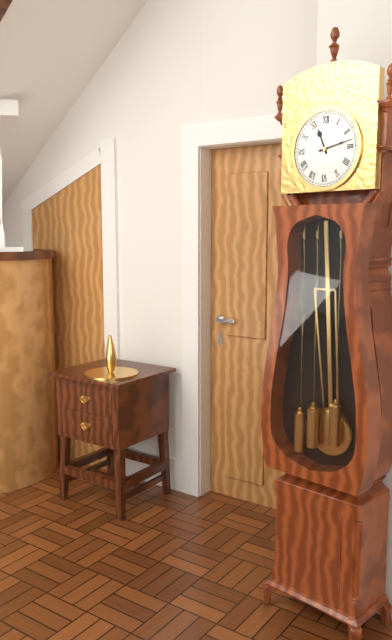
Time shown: 11:13
